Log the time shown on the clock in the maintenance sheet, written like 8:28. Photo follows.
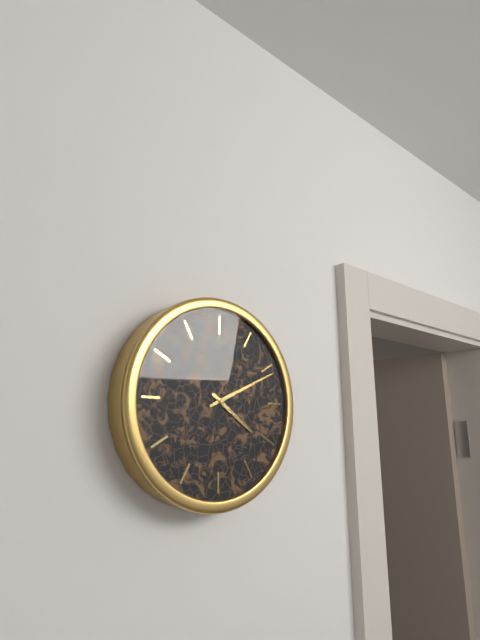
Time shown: 4:11
